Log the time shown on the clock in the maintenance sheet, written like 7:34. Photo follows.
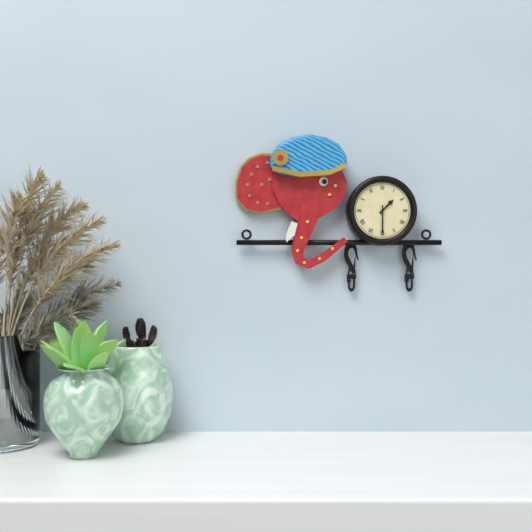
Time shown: 1:30
